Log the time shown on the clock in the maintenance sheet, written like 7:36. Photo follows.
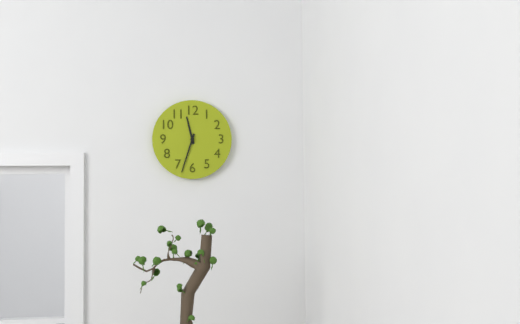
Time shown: 11:33
